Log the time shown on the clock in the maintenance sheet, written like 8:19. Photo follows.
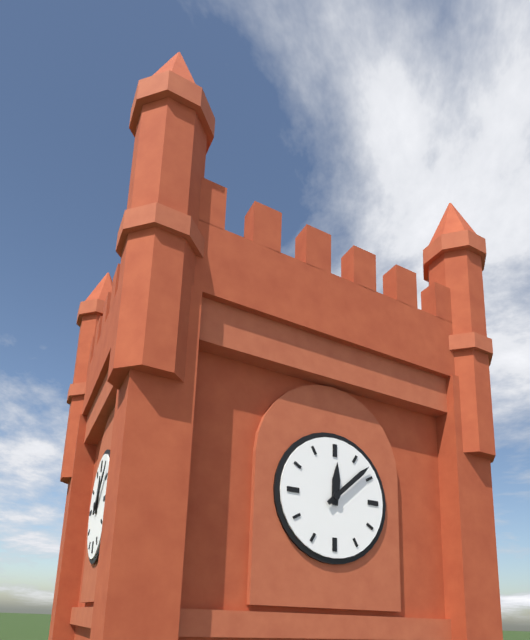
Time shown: 12:08
